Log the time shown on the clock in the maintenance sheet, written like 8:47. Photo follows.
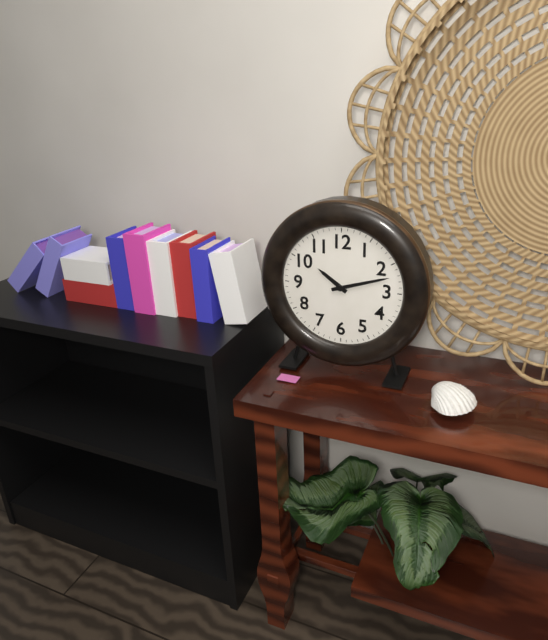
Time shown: 10:12
